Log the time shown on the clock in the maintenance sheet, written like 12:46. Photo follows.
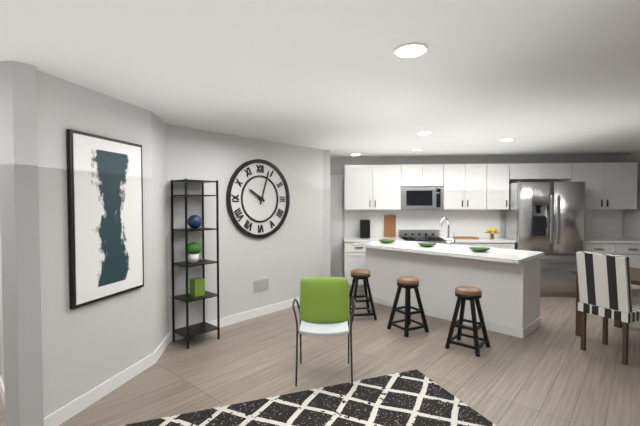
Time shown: 10:03
